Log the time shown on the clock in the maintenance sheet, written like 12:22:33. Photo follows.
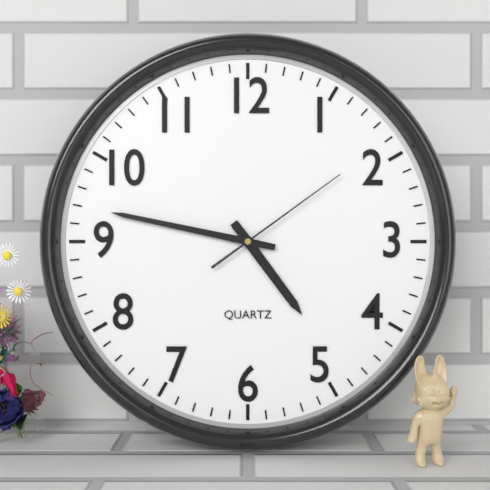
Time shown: 4:47:09
